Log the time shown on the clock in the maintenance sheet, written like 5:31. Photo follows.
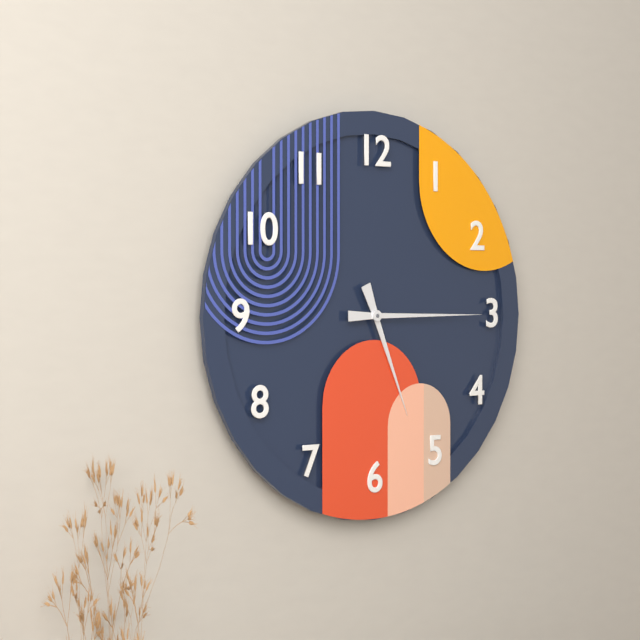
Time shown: 5:15
